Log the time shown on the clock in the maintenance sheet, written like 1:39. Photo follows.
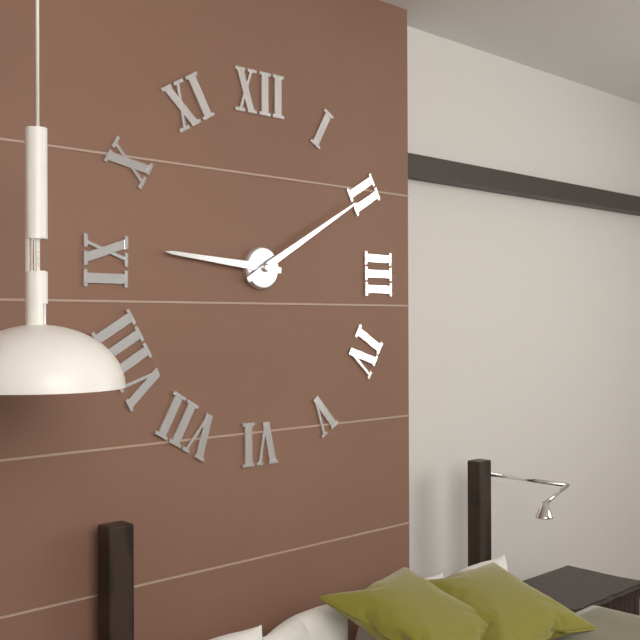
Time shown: 9:10
